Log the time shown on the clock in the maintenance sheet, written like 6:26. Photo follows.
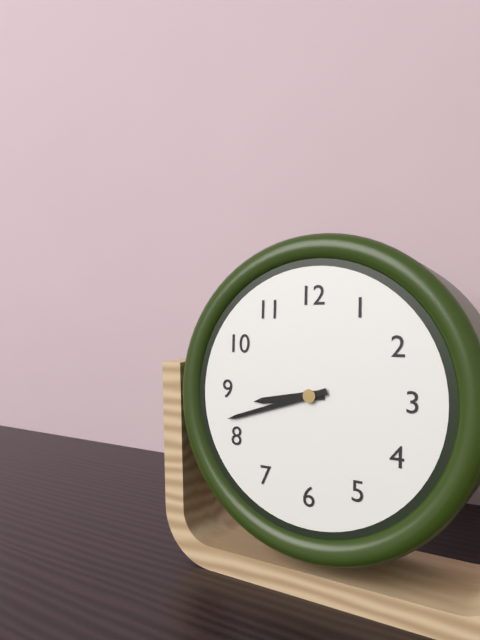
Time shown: 8:42
